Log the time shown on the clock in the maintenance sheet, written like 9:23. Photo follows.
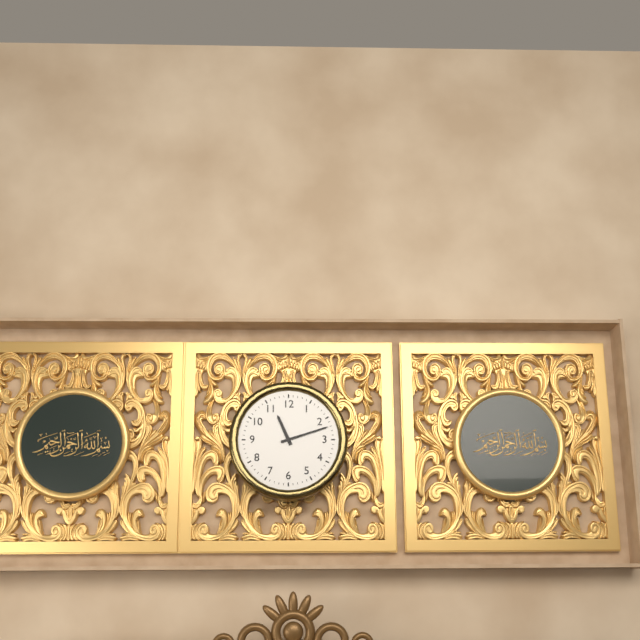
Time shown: 11:12
